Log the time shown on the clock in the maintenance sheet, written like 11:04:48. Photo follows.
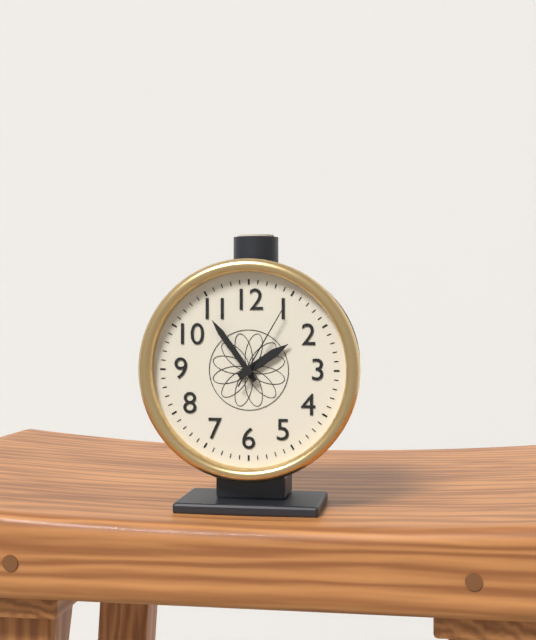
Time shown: 1:54:05
